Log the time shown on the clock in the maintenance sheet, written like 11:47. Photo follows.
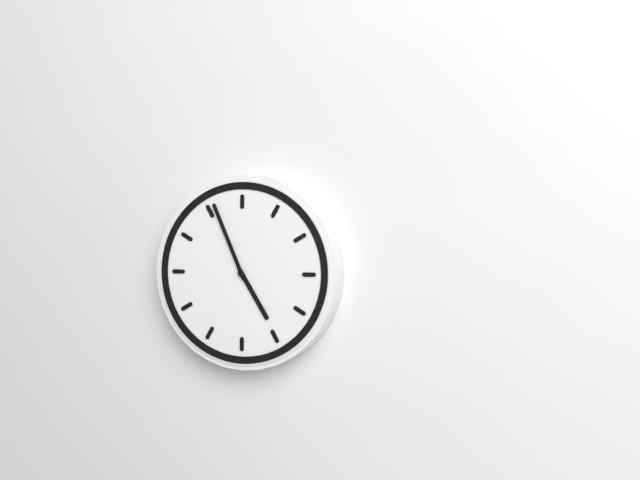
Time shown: 4:56
